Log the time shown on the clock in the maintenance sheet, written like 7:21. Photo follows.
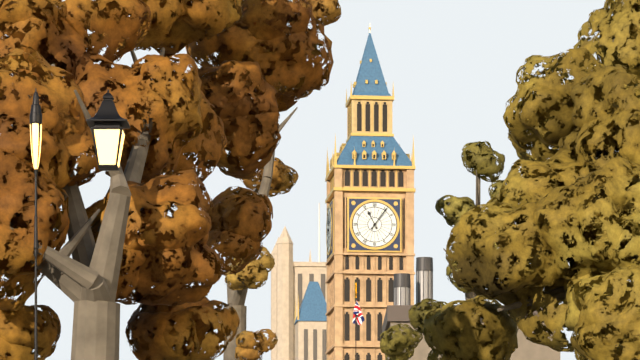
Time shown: 11:06
